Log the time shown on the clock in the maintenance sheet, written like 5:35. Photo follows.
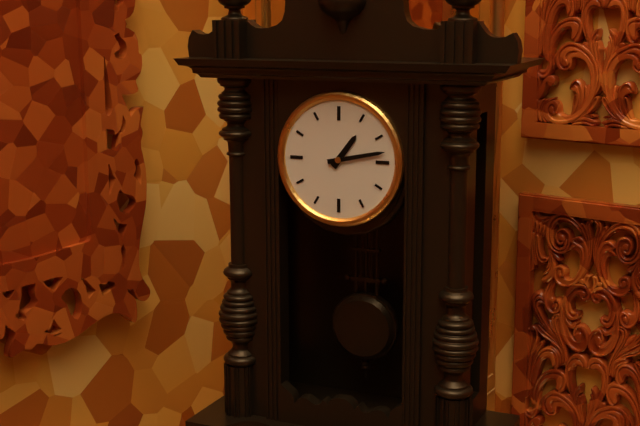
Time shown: 1:13
